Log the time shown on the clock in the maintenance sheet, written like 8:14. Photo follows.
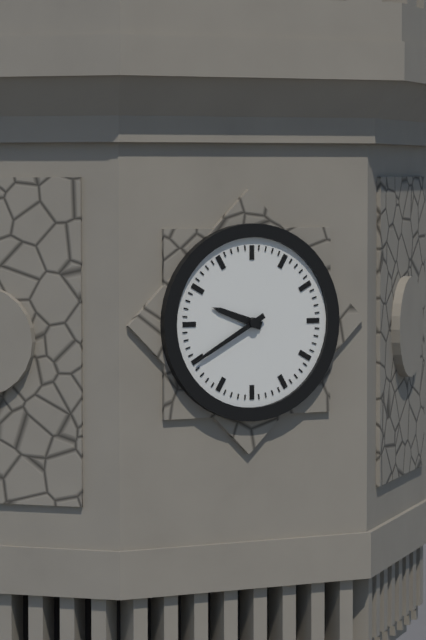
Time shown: 9:40
